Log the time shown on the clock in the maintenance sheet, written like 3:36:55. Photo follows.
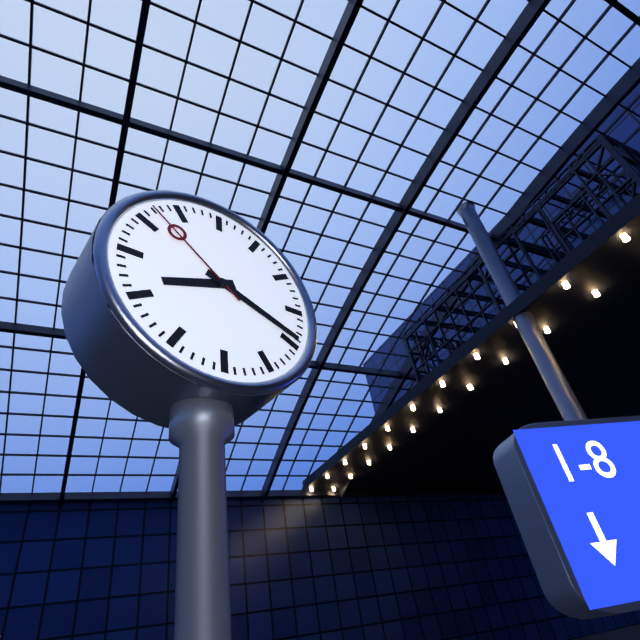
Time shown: 8:19:52
